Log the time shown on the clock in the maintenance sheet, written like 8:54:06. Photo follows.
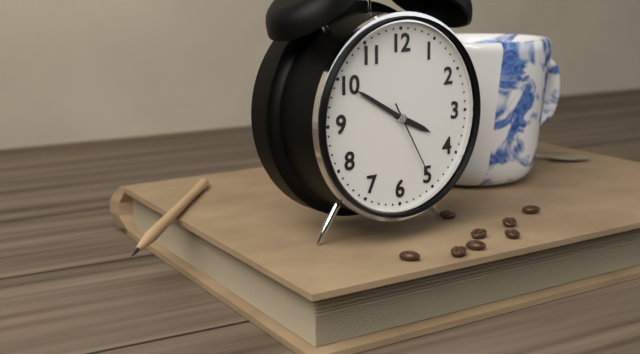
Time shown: 3:50:25
